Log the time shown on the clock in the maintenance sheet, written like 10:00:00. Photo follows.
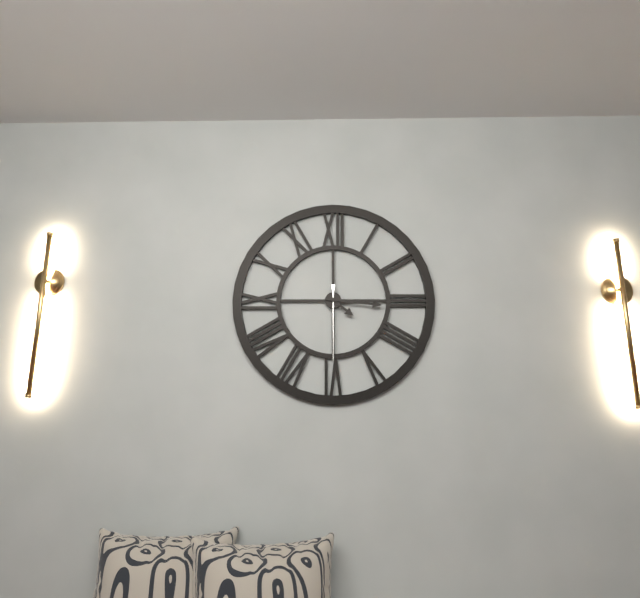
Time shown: 4:16:30
